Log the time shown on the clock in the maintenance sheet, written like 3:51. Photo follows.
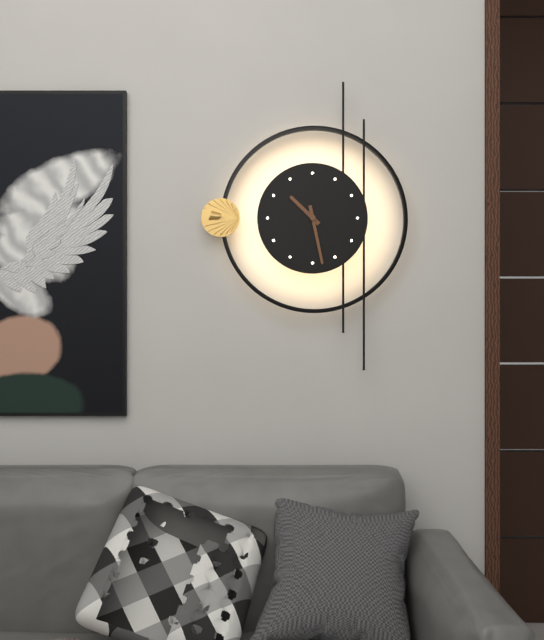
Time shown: 10:28
